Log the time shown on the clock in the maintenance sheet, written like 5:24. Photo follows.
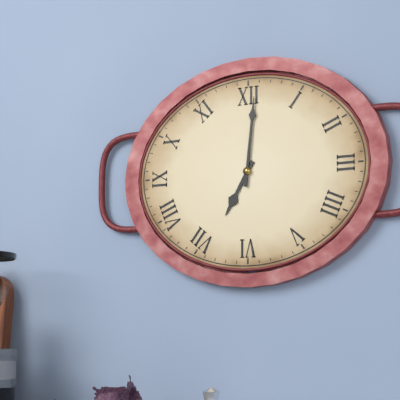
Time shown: 7:01
